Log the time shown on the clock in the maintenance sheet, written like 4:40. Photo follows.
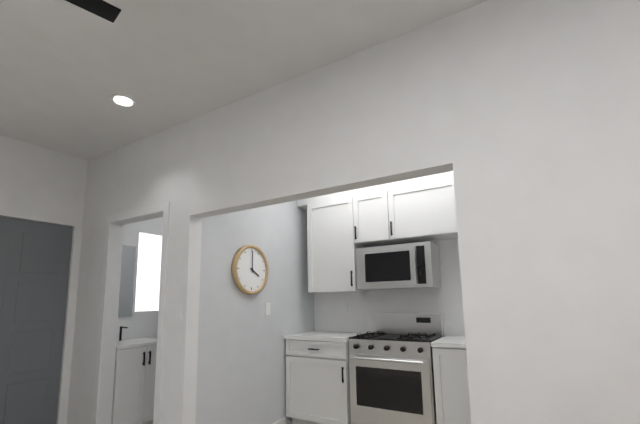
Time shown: 4:00
